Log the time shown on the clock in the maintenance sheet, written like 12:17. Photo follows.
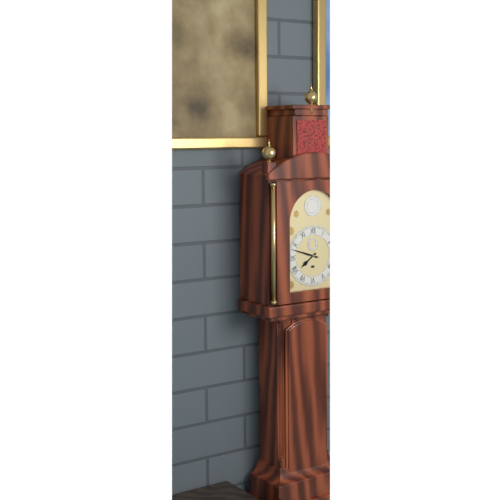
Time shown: 7:48
